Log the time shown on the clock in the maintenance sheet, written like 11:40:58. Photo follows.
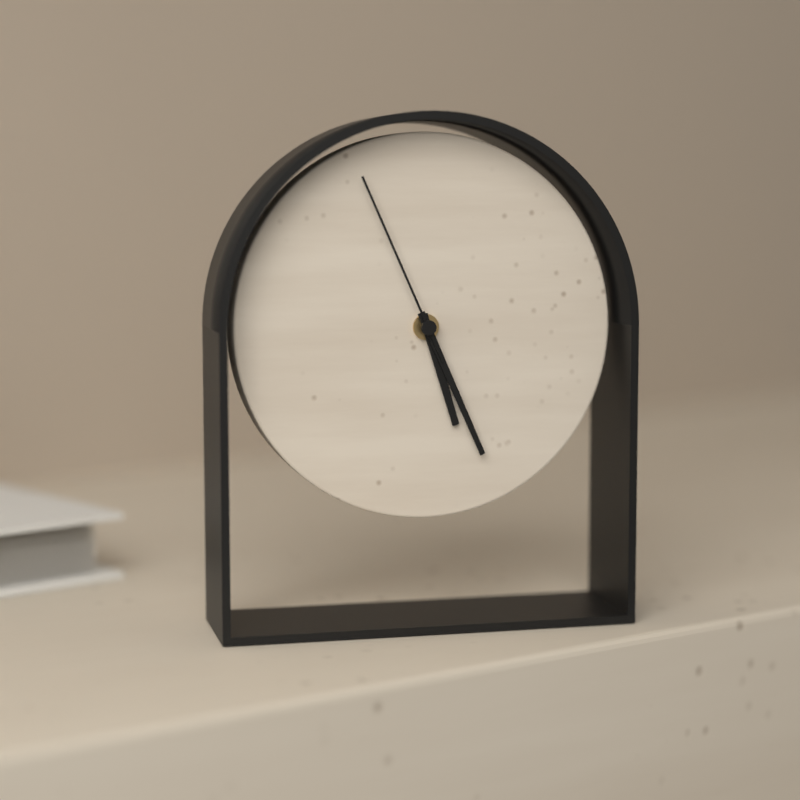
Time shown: 5:26:56
